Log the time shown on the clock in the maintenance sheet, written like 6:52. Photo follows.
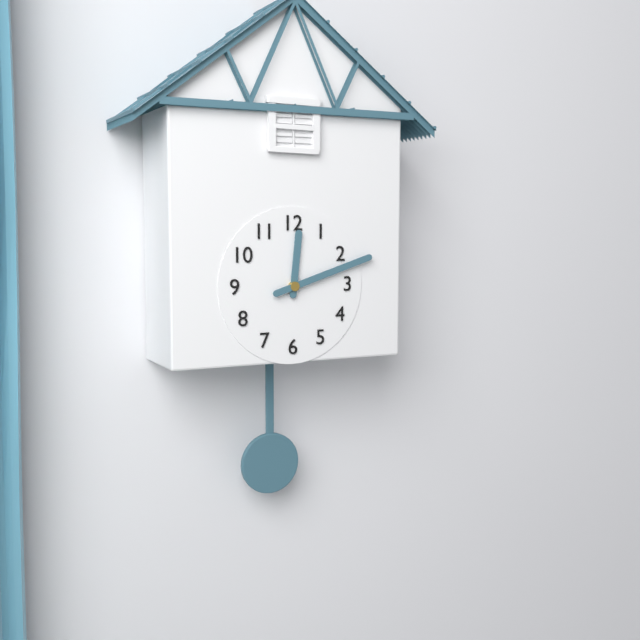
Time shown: 12:12
